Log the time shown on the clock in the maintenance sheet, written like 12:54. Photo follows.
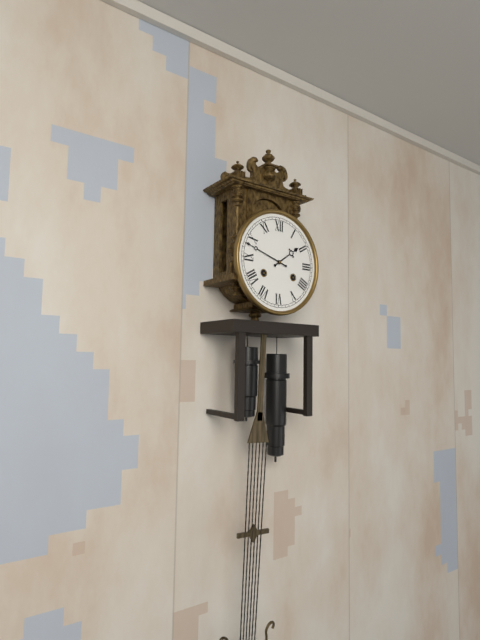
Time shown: 1:48
